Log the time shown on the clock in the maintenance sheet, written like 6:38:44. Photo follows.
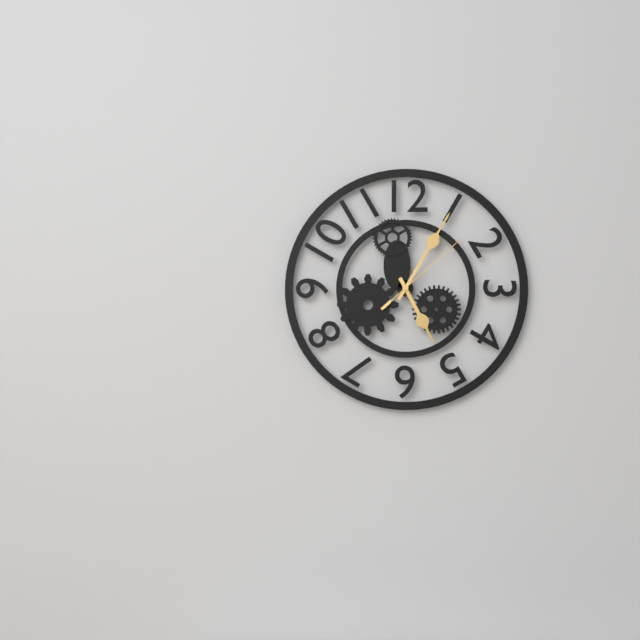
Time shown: 5:05:08
